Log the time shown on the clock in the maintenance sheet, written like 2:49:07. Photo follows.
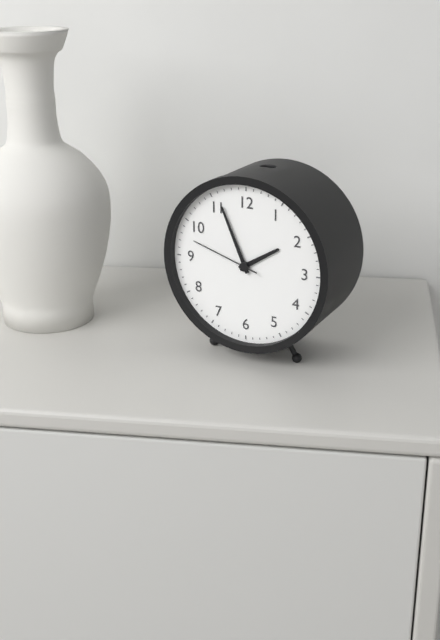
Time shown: 1:56:48
